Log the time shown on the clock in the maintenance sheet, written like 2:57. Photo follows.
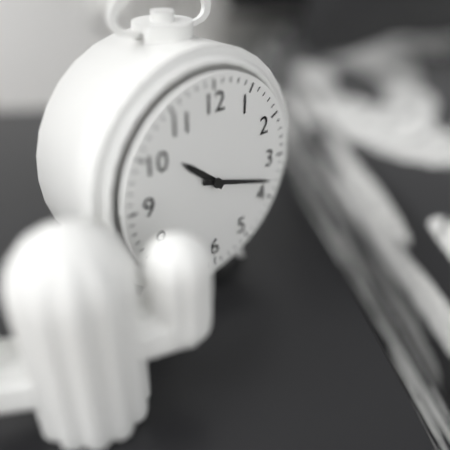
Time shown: 10:18
